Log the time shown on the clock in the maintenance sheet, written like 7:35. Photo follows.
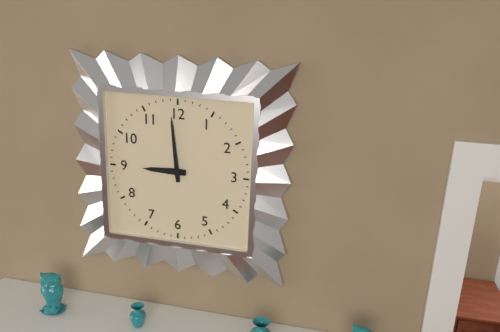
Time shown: 8:59
